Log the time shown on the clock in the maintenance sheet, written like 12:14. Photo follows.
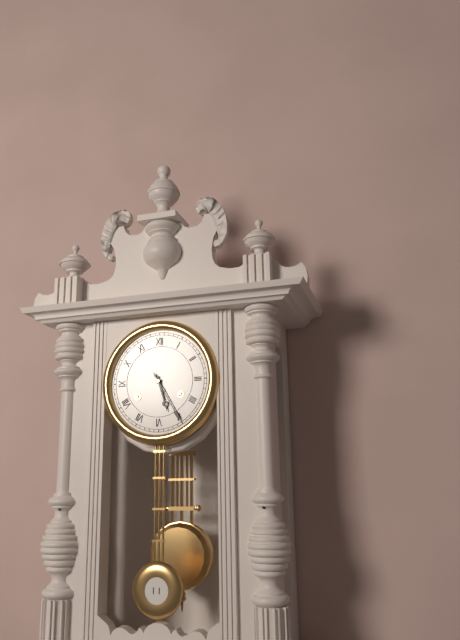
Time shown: 5:25
